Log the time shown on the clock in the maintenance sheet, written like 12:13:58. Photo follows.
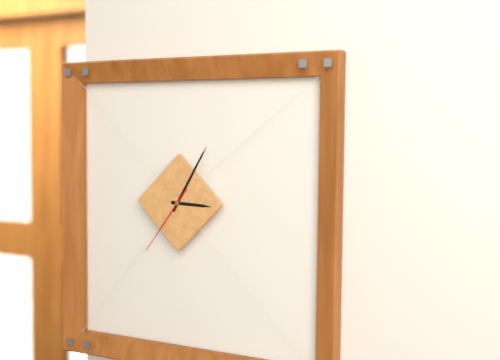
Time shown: 3:05:36
